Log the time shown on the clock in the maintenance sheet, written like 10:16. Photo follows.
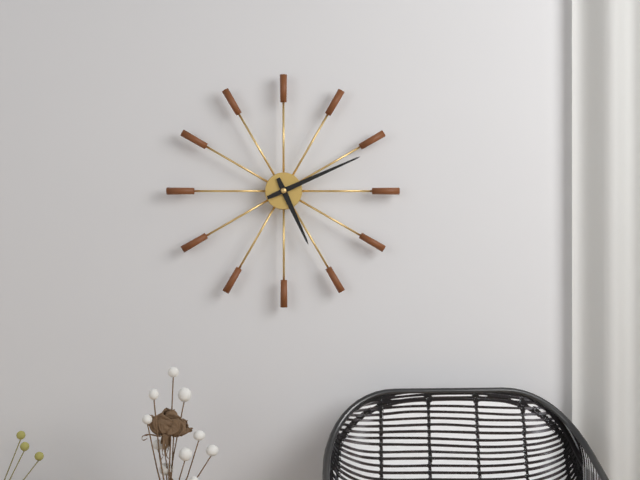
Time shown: 5:11
